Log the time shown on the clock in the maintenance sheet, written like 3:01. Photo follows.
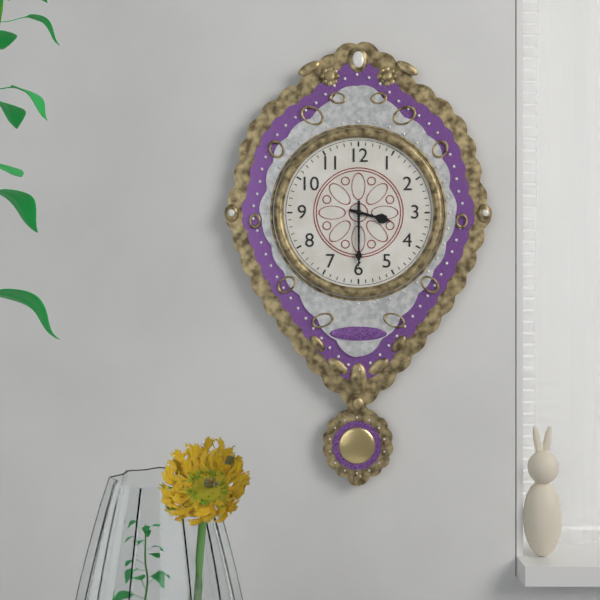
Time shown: 3:30
